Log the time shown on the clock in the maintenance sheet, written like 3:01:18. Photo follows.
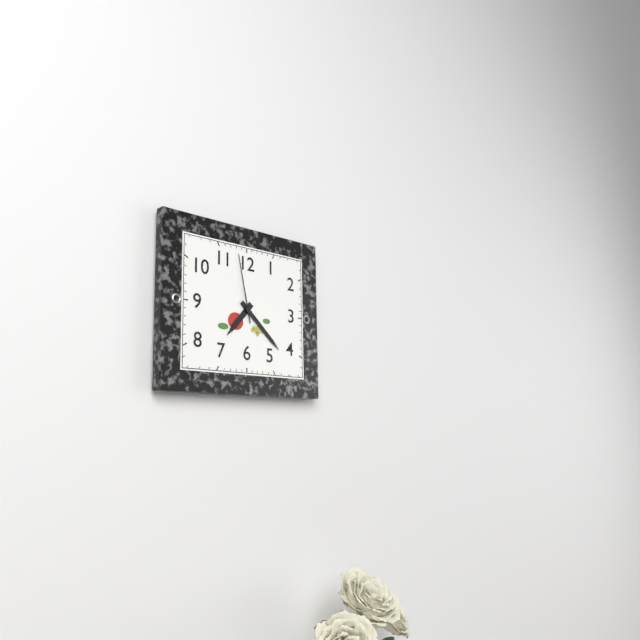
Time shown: 7:22:58
